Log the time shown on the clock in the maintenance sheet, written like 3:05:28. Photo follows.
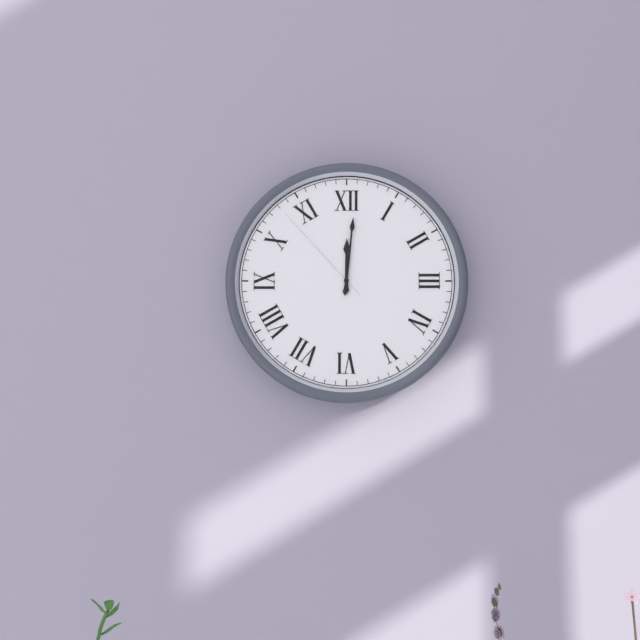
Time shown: 12:01:53
